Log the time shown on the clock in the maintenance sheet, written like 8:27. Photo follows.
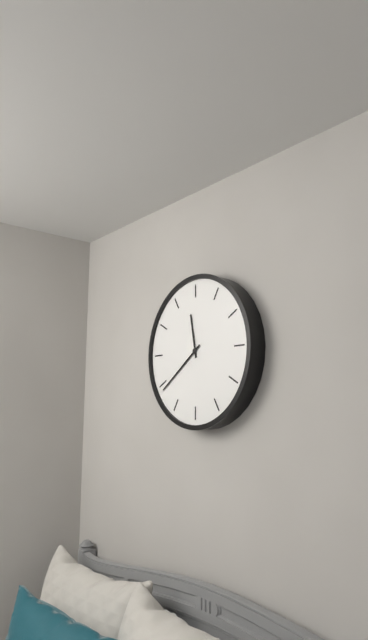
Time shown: 11:39
